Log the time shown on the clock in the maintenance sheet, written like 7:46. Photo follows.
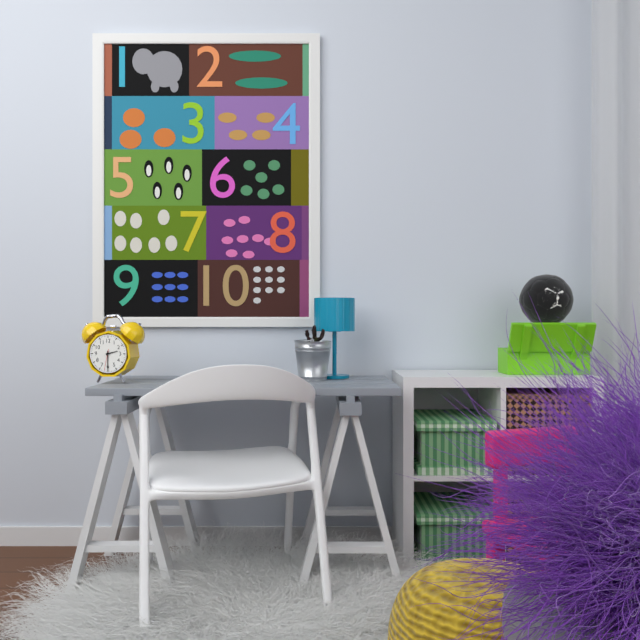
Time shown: 2:30
